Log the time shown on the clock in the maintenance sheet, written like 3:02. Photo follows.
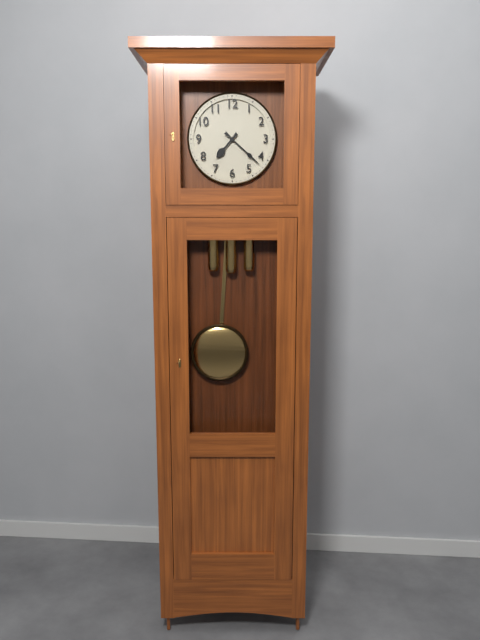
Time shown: 7:22
